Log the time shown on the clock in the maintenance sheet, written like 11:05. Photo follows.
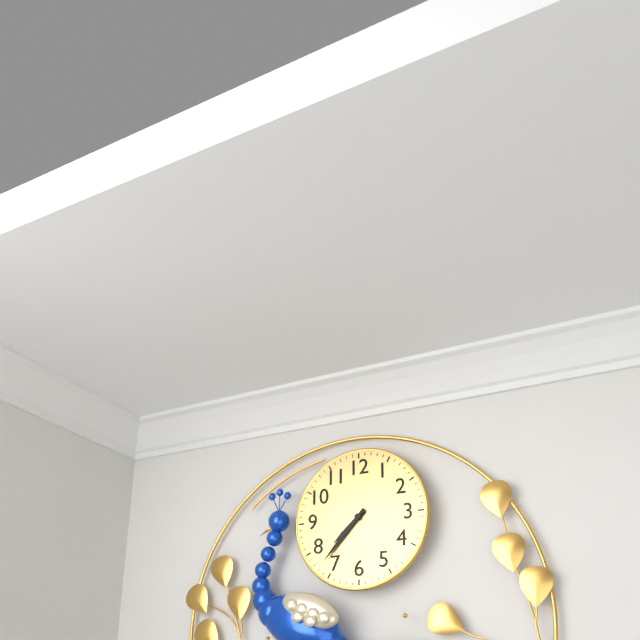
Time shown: 7:37
